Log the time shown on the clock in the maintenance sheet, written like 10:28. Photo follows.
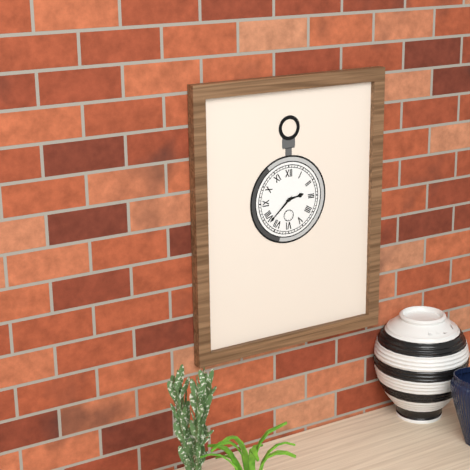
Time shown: 2:38
